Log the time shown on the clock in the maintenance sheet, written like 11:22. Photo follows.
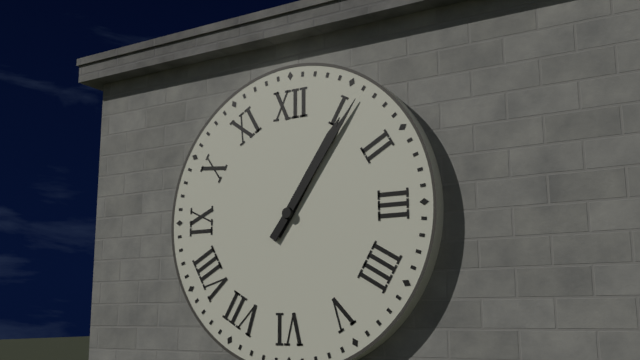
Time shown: 1:06
